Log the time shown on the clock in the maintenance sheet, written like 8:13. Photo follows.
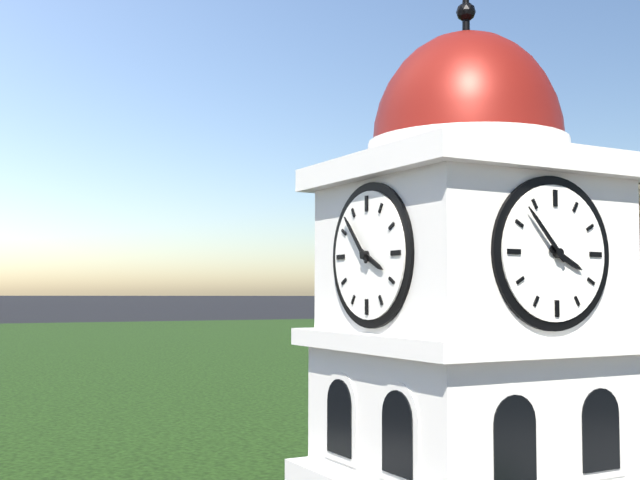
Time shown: 3:53
